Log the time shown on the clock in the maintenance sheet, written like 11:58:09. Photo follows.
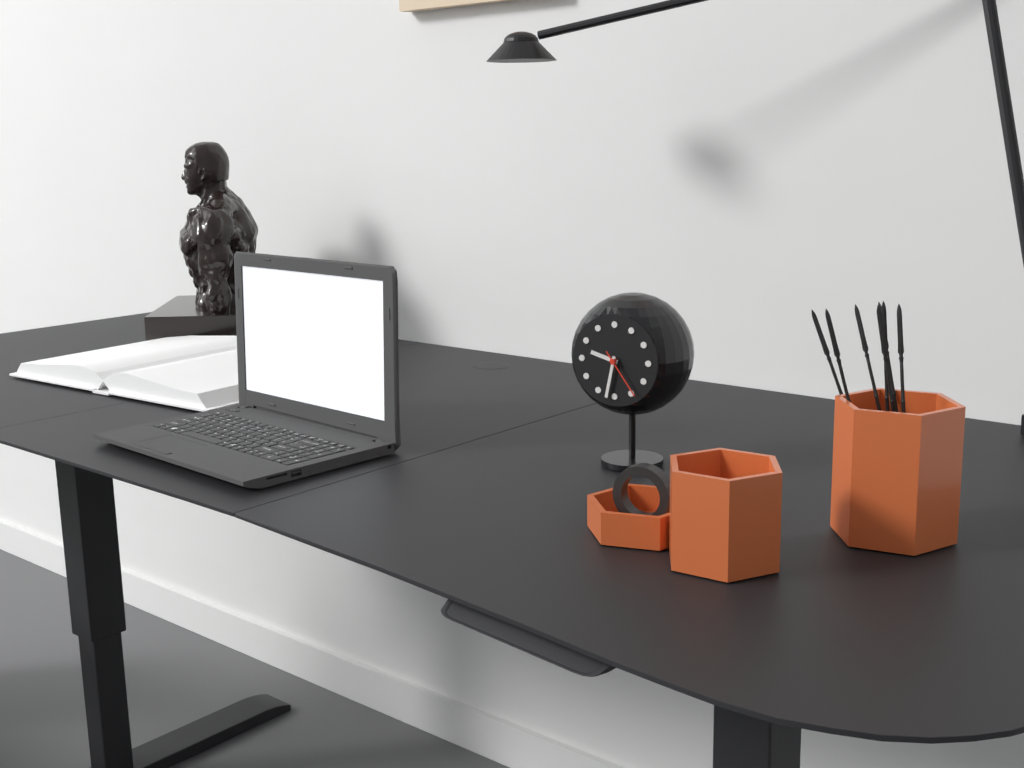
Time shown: 9:32:24
